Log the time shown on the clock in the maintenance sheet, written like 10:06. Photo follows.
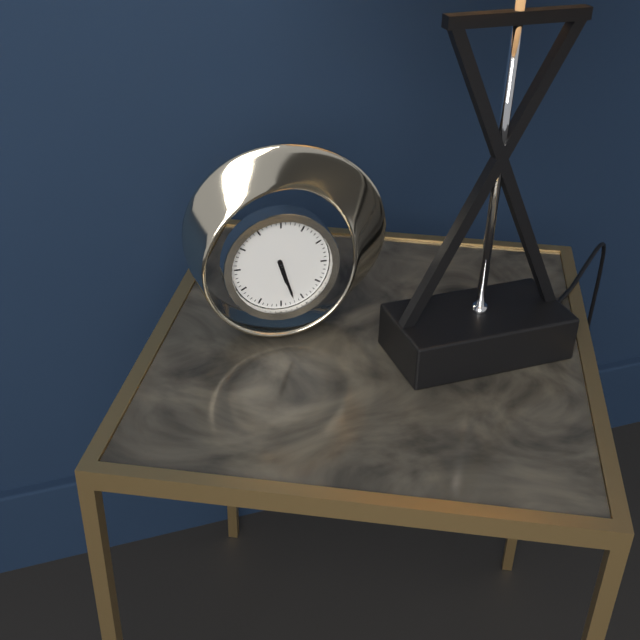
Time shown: 5:27
